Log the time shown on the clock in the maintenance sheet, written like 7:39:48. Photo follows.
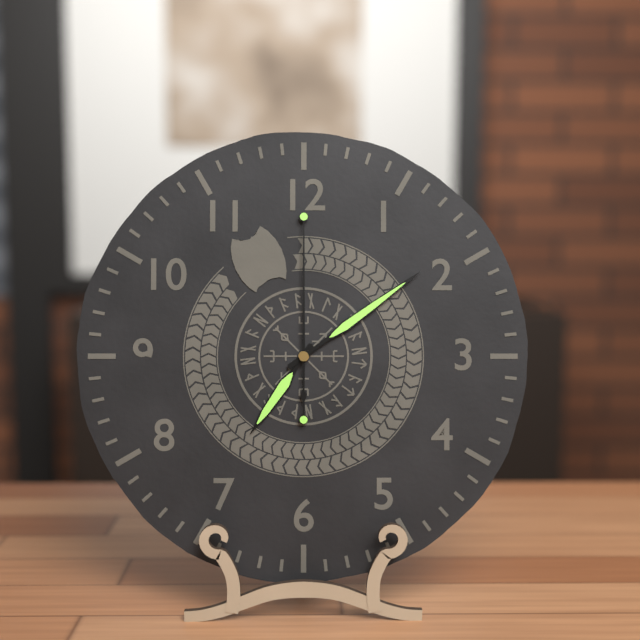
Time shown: 7:09:00
